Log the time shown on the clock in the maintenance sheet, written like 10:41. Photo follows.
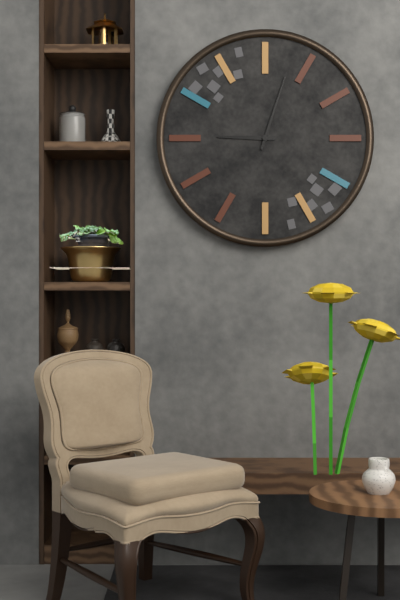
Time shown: 9:03
